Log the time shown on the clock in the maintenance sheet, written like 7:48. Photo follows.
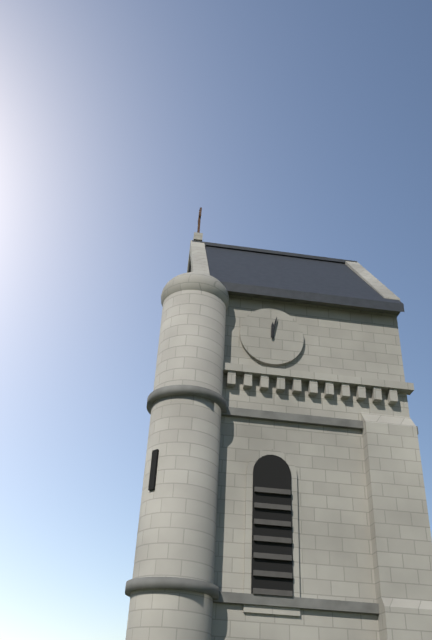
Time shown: 12:02
